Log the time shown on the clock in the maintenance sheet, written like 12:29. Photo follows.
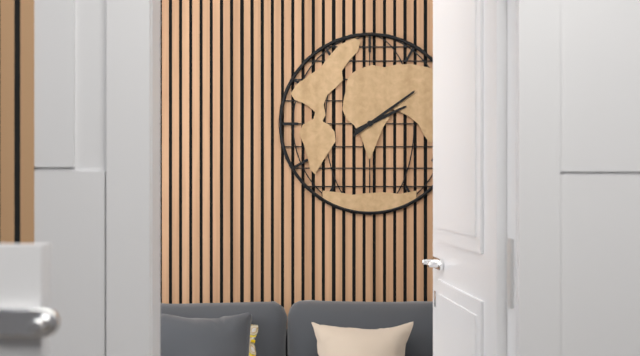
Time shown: 2:09
